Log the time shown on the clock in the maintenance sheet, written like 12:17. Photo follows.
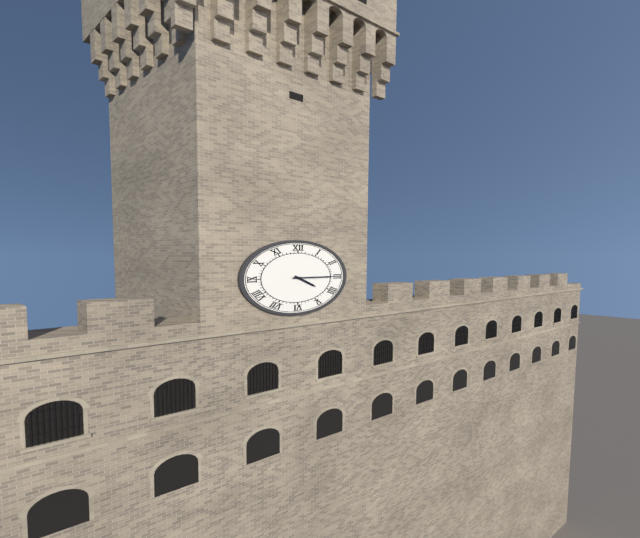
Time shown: 4:15
